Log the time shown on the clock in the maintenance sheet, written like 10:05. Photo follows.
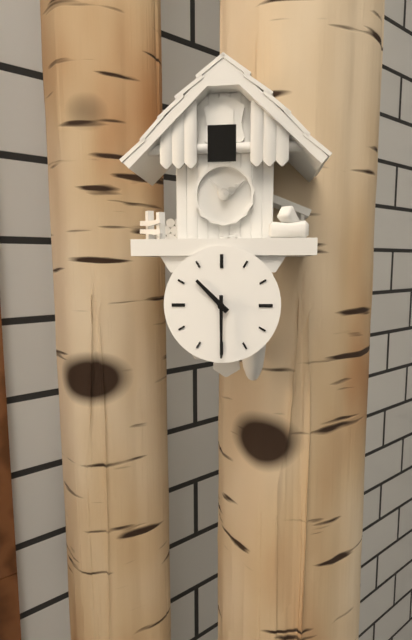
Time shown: 10:30
